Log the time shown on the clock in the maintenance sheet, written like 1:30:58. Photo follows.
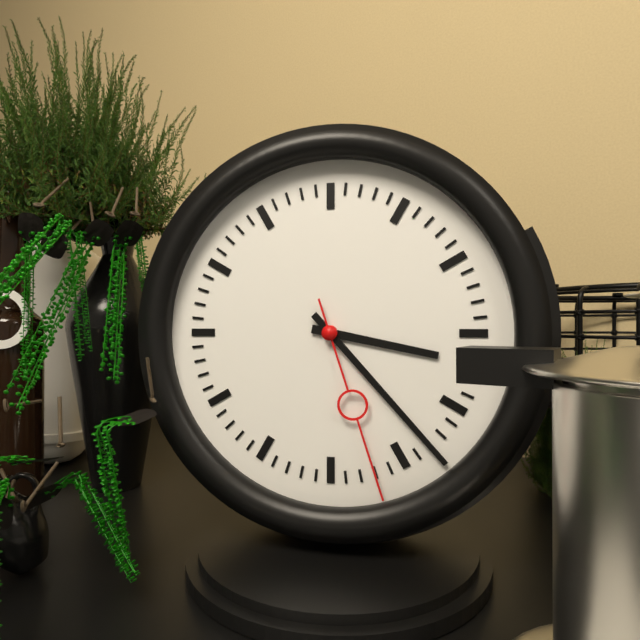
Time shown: 3:23:27
